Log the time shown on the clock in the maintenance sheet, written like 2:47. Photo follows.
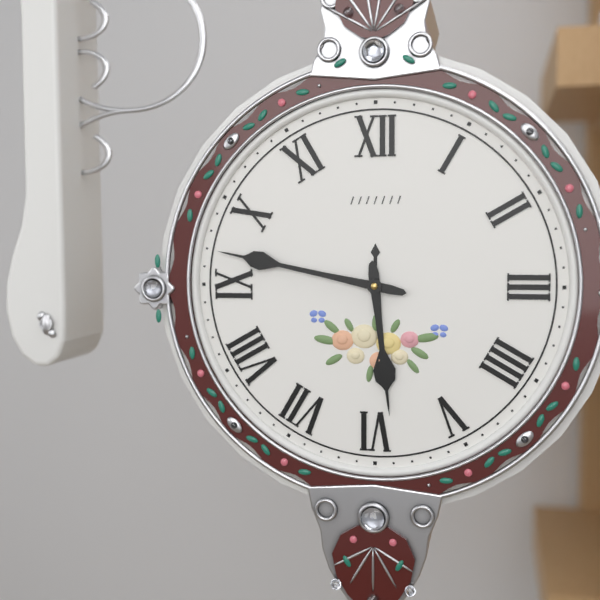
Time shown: 5:47
